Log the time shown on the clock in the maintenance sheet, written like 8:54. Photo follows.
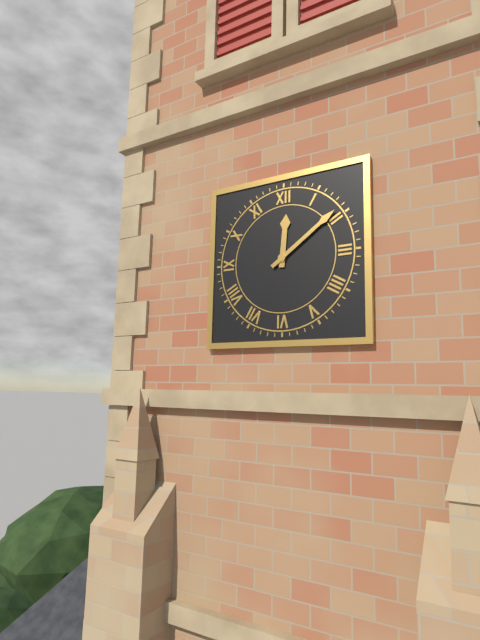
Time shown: 12:09
